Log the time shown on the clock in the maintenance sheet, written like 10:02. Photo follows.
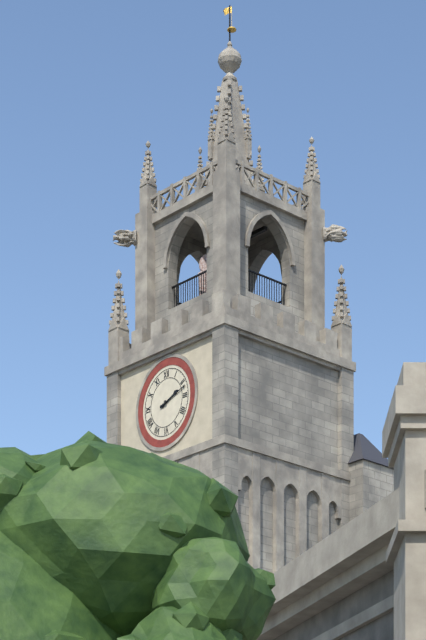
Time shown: 2:12
